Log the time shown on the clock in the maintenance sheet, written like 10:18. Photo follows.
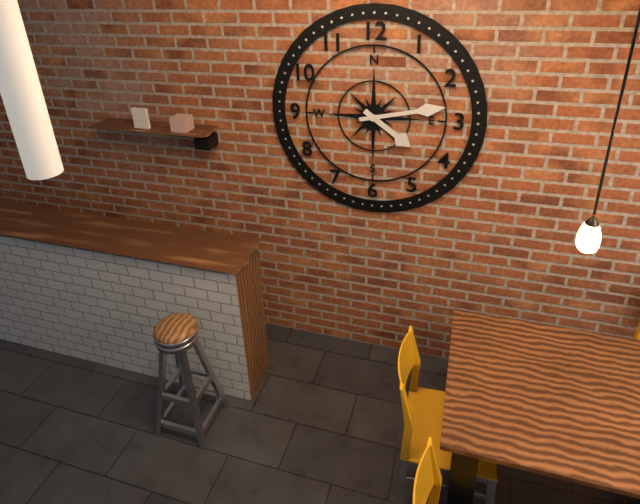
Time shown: 4:13
